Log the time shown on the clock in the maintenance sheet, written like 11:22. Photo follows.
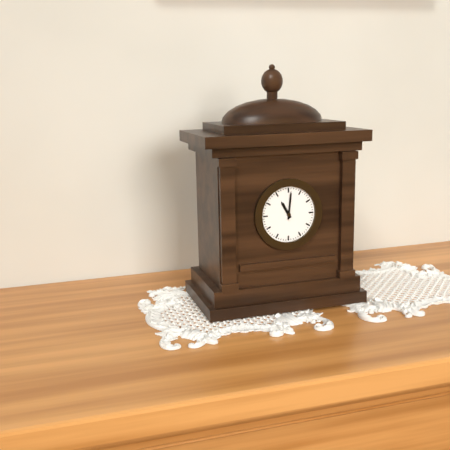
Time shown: 11:01
